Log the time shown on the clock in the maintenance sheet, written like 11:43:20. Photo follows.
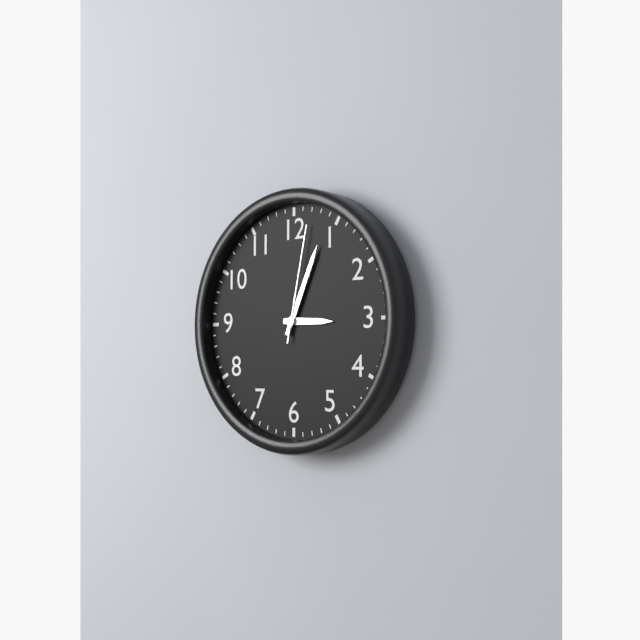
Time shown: 3:04:02
